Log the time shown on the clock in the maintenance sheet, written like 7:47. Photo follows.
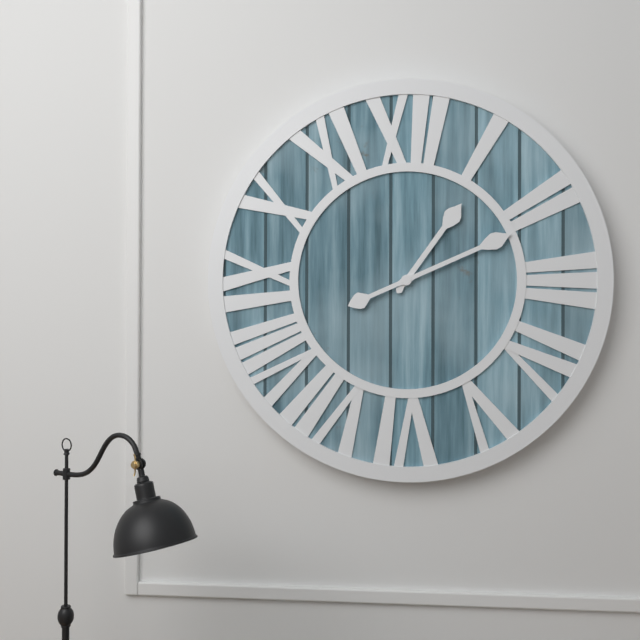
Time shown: 1:11
